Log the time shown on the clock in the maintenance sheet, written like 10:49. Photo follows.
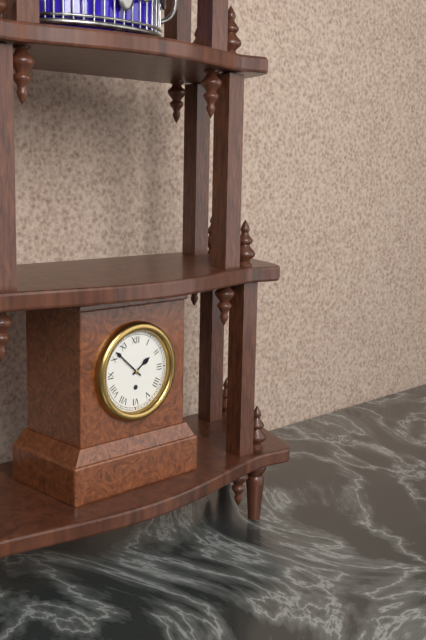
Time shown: 1:52
